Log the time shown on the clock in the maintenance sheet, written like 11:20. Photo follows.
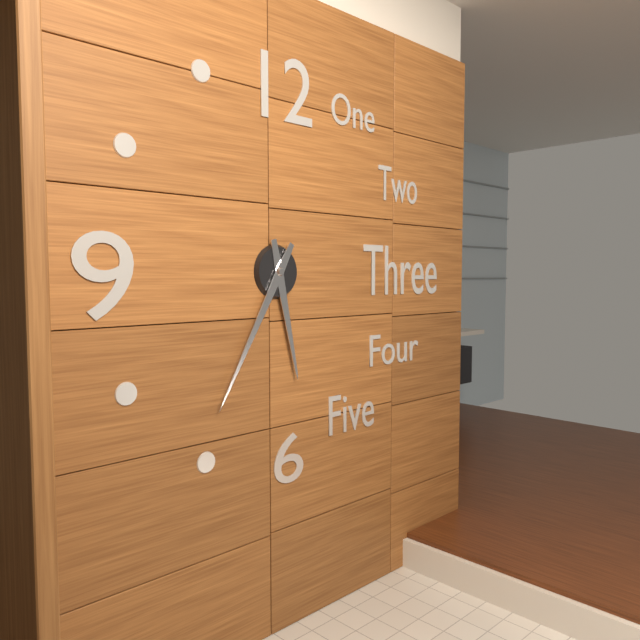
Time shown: 5:35
